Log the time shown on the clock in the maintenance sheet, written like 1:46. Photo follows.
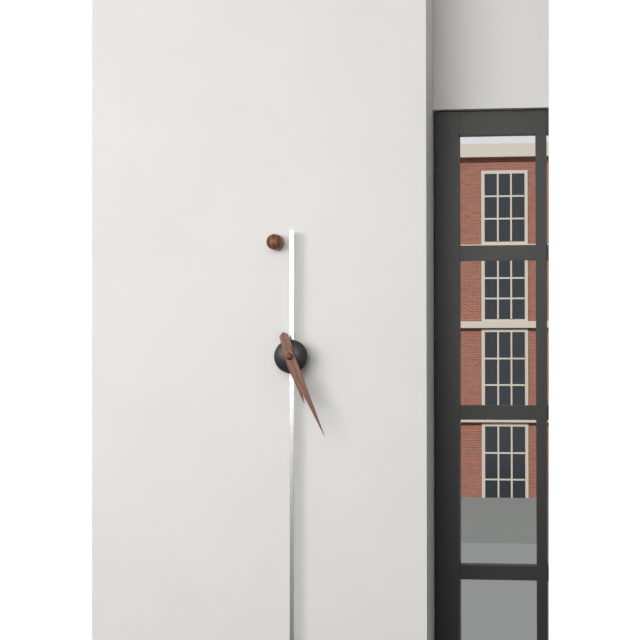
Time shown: 5:26
